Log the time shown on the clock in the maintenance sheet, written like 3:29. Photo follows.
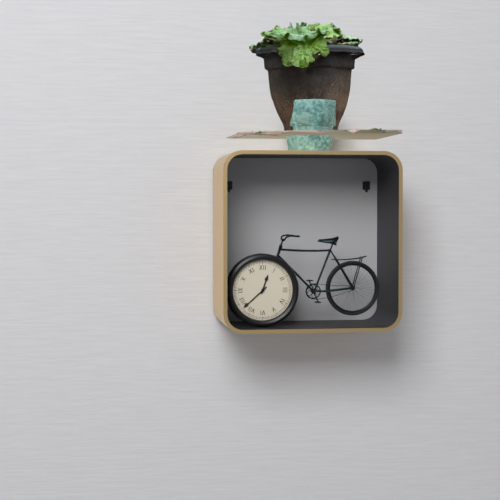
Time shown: 12:38
